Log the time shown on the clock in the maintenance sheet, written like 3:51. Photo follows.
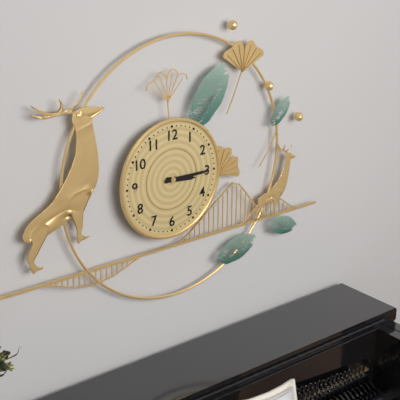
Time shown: 3:15
